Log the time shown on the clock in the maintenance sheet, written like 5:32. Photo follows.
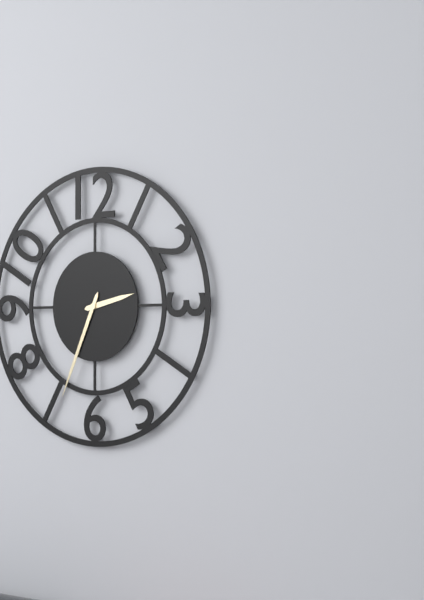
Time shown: 2:34
